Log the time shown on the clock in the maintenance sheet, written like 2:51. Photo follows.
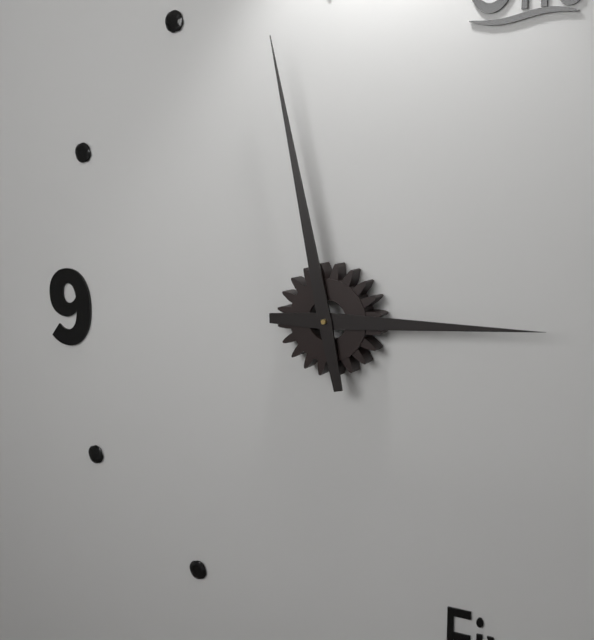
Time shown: 2:58
